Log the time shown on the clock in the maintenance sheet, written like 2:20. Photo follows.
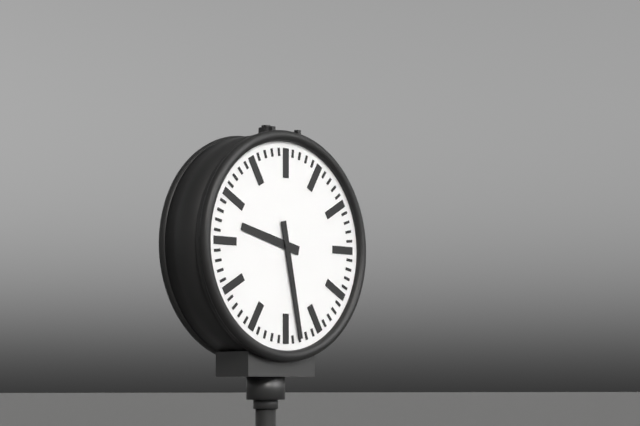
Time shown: 9:28
